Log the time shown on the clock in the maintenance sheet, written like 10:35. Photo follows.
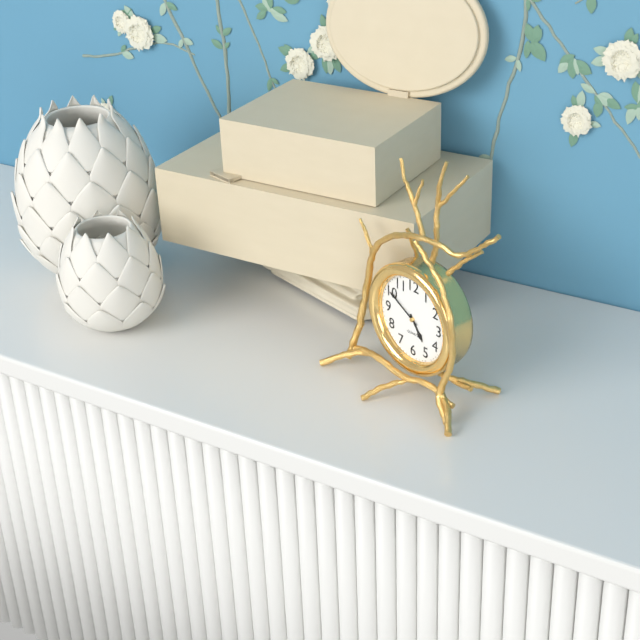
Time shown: 4:50
